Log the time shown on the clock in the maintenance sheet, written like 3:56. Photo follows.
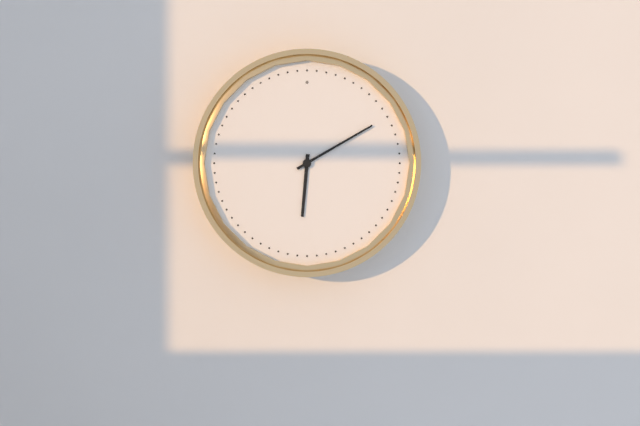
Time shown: 6:10
